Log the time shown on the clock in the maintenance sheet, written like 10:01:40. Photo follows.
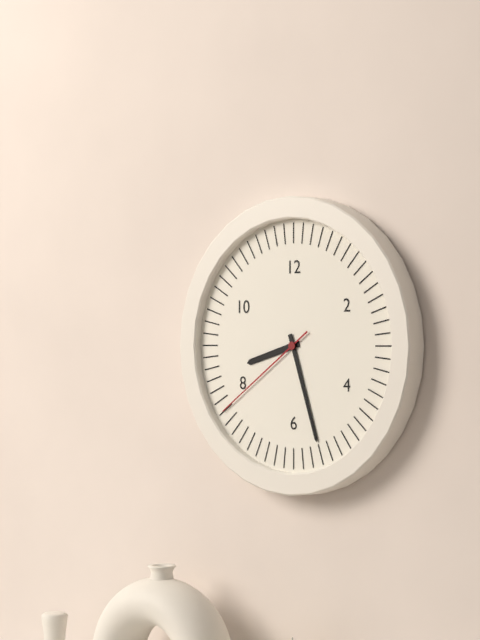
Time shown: 8:27:39
